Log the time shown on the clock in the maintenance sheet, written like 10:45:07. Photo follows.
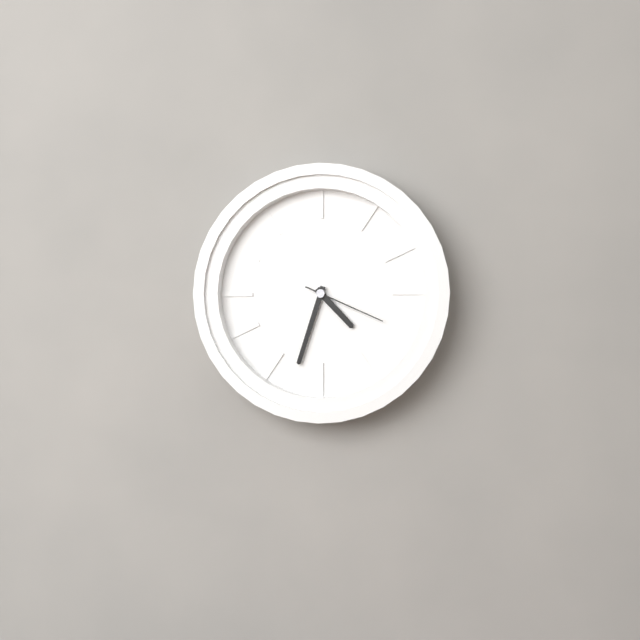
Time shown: 4:33:19
